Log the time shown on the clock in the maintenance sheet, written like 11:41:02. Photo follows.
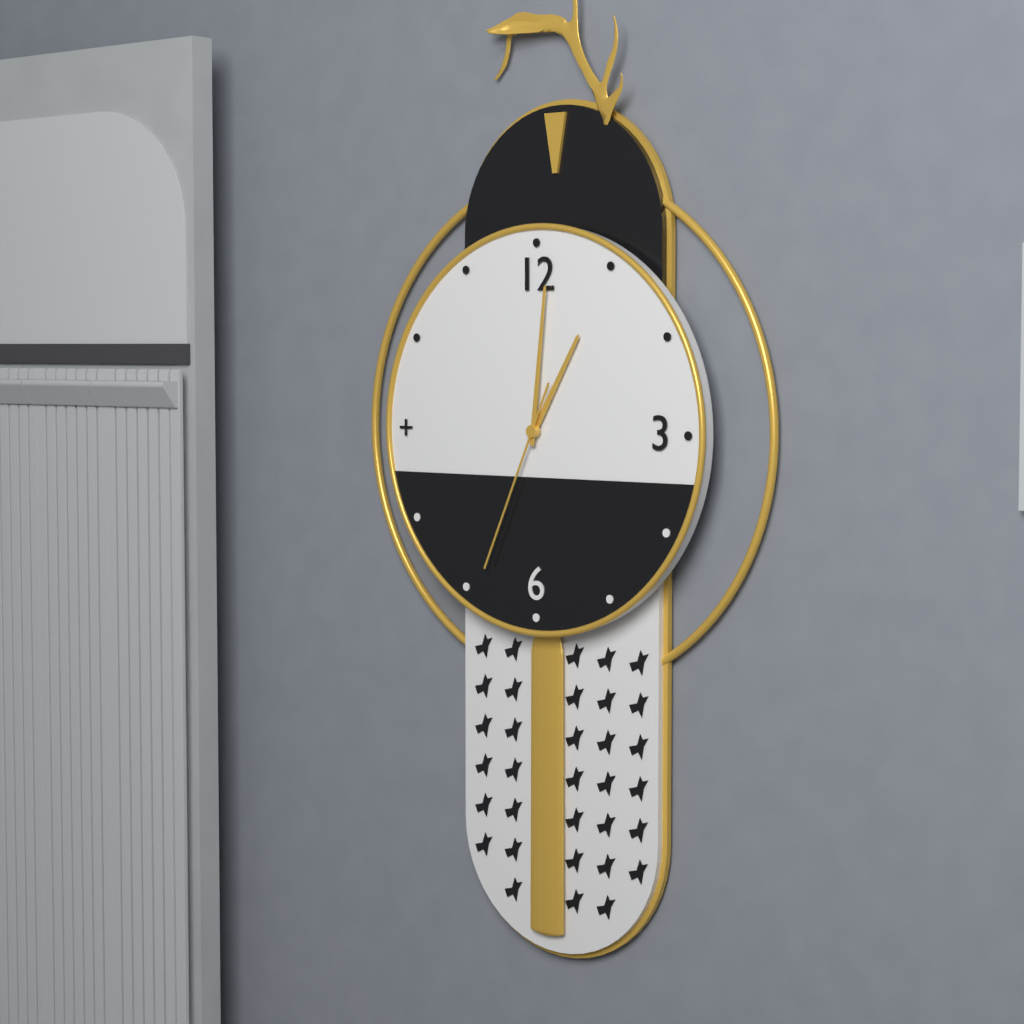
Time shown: 1:01:34
